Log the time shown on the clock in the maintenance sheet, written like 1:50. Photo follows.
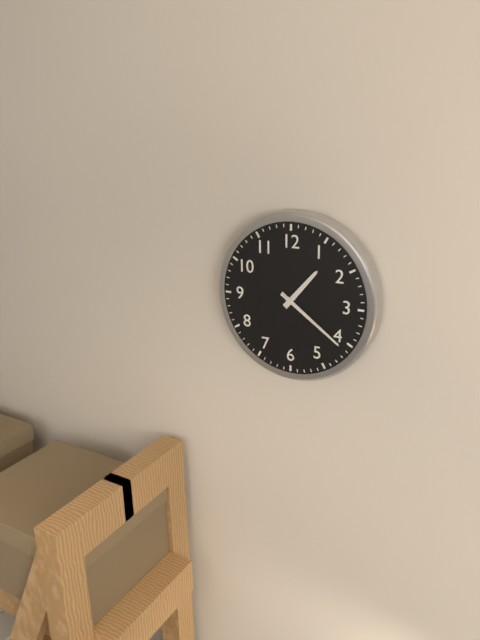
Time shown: 1:21
